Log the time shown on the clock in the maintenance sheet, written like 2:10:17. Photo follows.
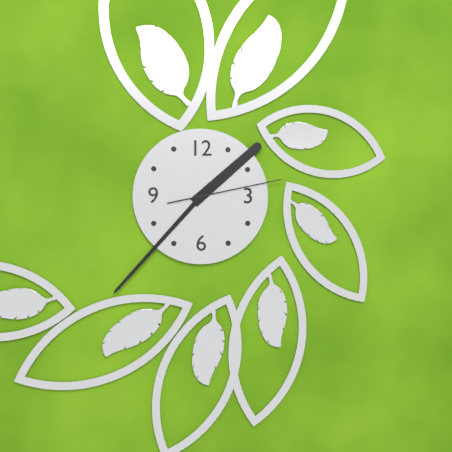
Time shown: 1:37:13
